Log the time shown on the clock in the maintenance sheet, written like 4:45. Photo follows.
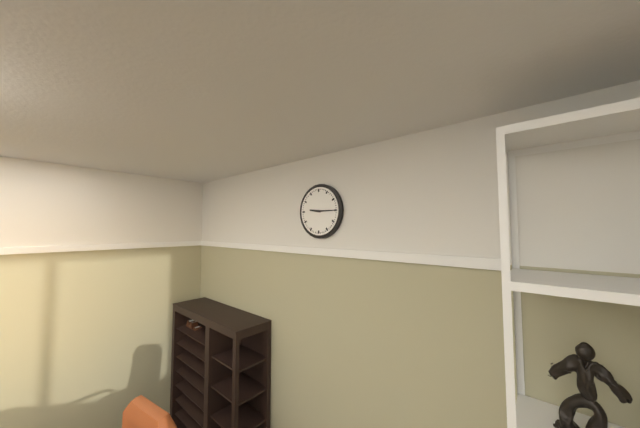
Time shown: 9:15
